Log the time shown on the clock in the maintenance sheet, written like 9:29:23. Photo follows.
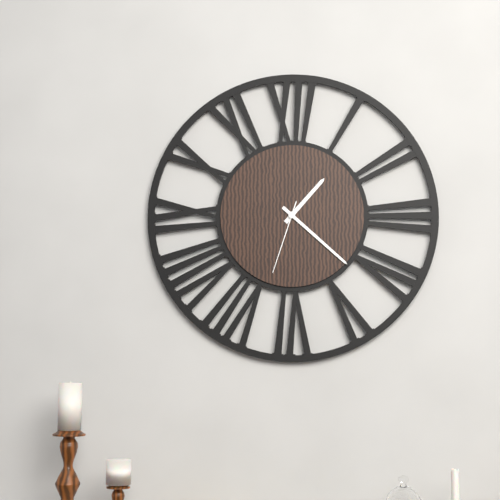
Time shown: 1:22:33
